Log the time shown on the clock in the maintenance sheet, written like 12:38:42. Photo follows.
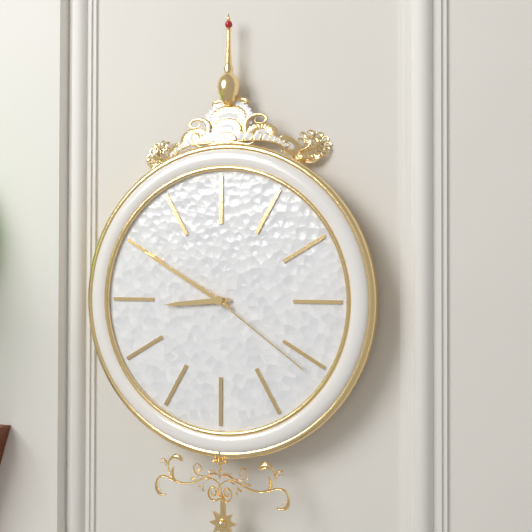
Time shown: 8:50:21
